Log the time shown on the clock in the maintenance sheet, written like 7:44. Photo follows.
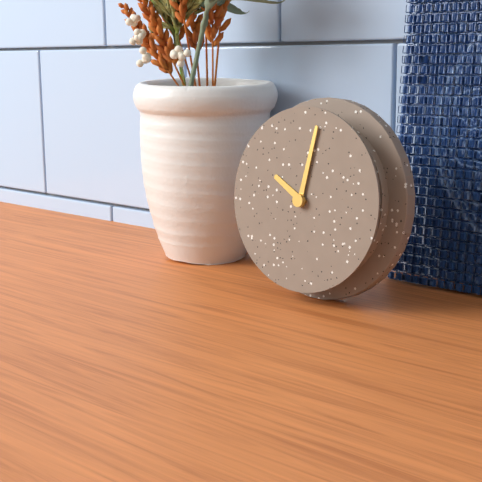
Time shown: 10:02
